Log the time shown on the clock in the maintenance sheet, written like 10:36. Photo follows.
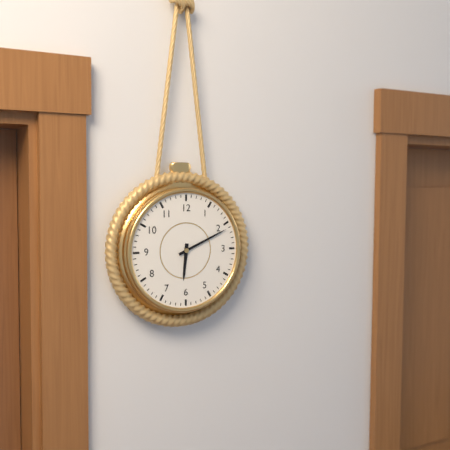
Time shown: 6:11
